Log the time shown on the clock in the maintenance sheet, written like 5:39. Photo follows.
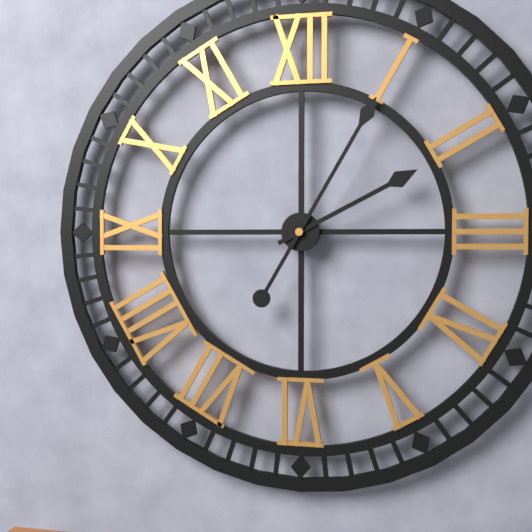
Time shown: 2:05
